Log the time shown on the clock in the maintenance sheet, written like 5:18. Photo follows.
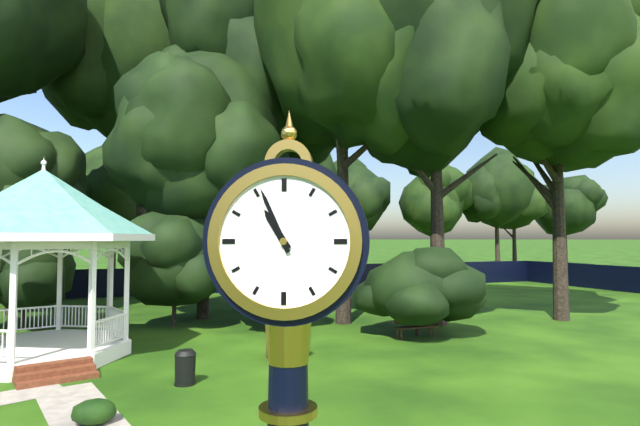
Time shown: 10:56
